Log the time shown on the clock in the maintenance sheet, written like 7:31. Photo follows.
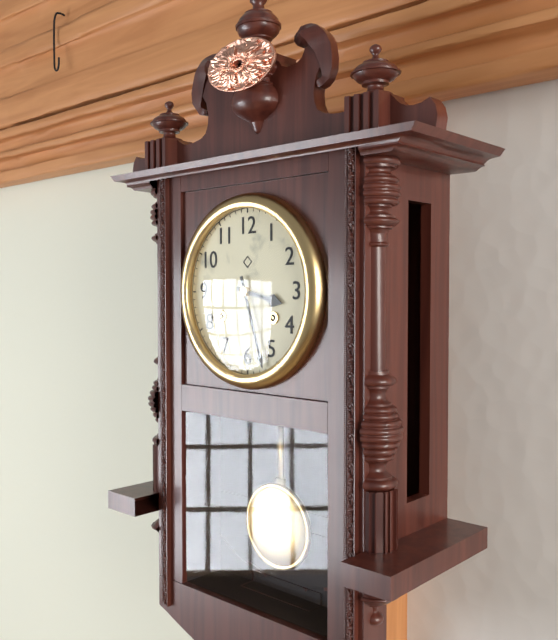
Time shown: 3:27
